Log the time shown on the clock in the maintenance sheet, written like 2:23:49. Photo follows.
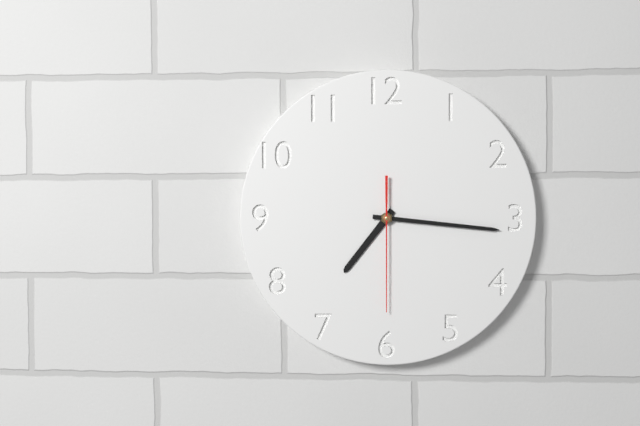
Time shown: 7:16:30
